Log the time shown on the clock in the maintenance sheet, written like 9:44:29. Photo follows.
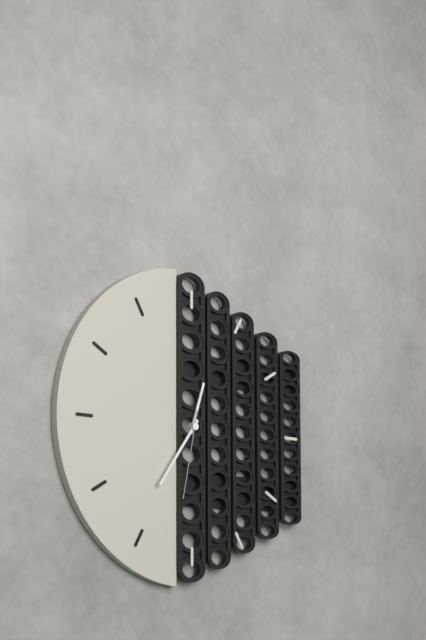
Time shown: 12:36:32
